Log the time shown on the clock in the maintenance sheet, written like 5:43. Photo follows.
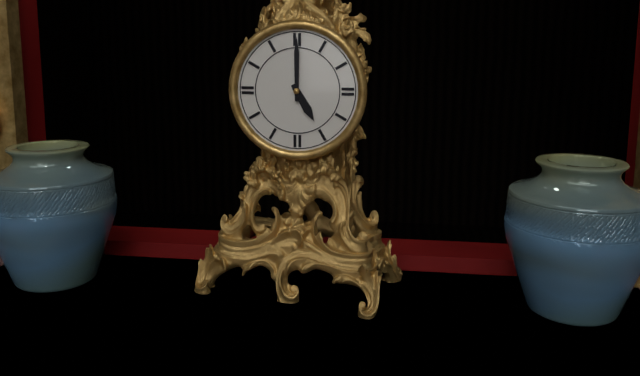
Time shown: 5:00
